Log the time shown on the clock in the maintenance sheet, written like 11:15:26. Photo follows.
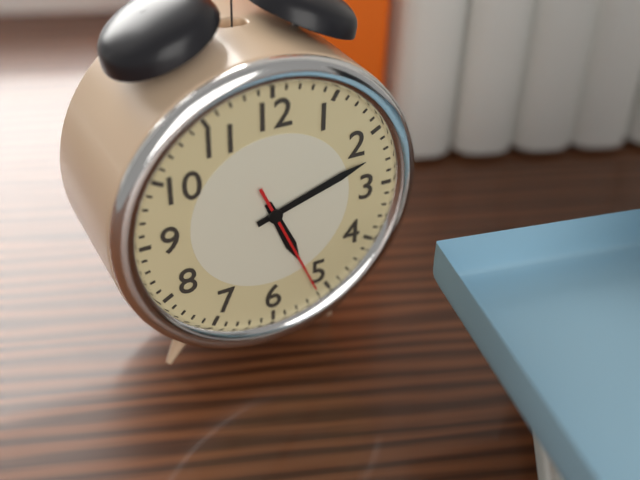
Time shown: 5:12:26
